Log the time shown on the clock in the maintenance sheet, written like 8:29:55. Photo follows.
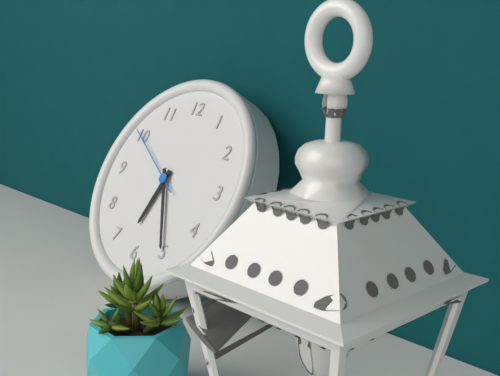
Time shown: 6:25:50
